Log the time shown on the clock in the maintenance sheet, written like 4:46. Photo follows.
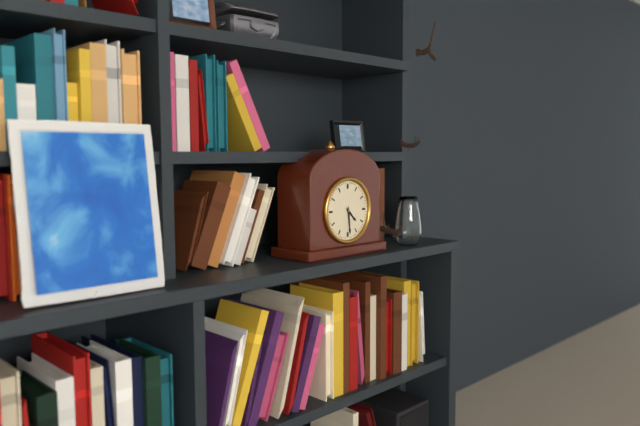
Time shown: 4:29
